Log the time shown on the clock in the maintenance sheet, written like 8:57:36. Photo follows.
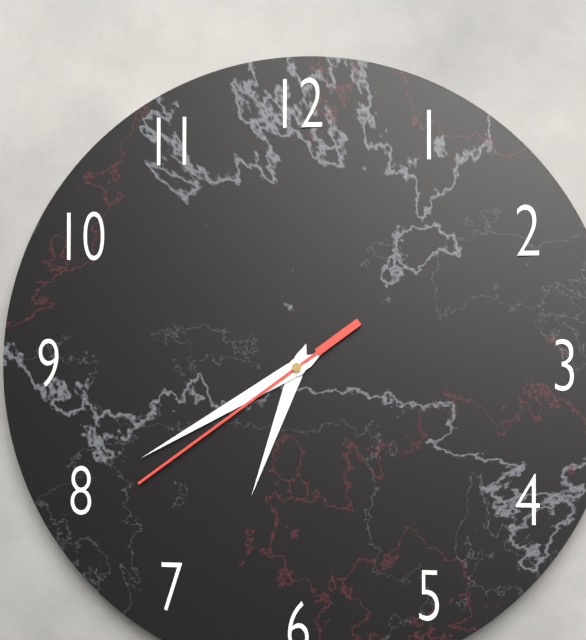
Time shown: 6:40:39
